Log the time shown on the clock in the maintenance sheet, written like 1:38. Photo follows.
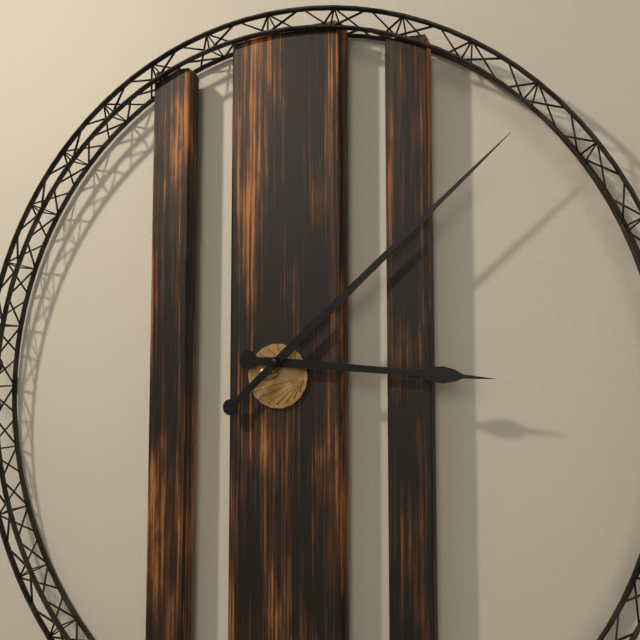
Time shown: 3:08
